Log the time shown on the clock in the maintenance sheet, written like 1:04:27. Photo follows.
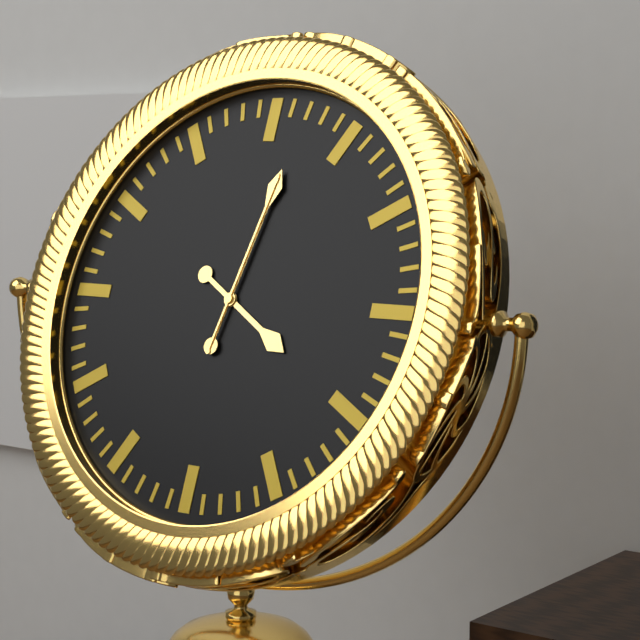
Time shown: 4:02:02
